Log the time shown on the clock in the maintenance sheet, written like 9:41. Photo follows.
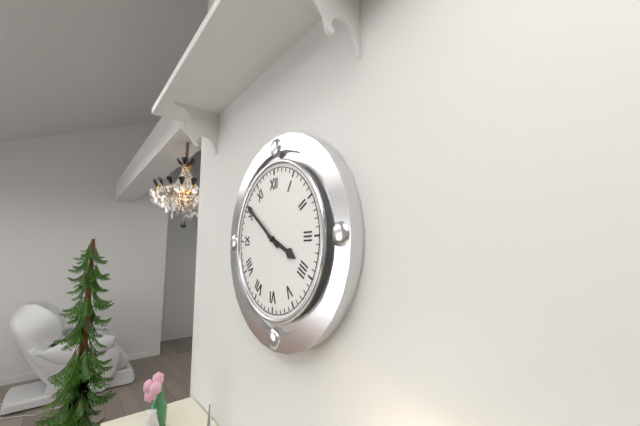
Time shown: 3:51
